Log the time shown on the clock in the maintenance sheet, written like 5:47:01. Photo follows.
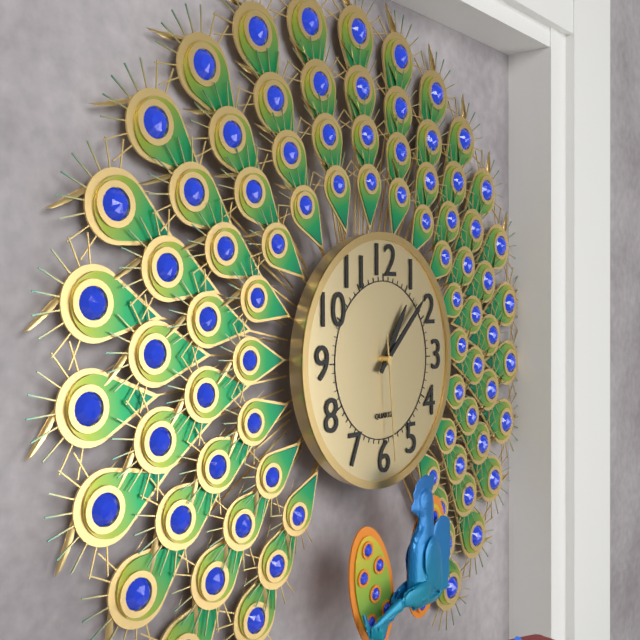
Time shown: 1:08:29
